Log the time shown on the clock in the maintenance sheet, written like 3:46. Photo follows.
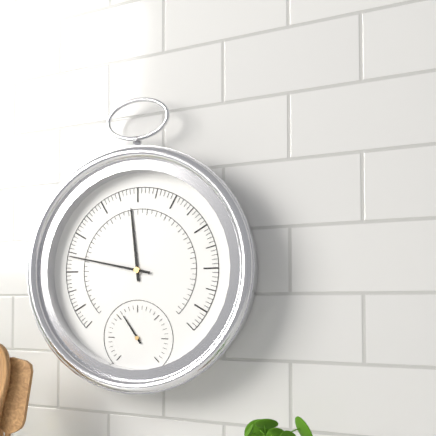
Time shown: 11:47
